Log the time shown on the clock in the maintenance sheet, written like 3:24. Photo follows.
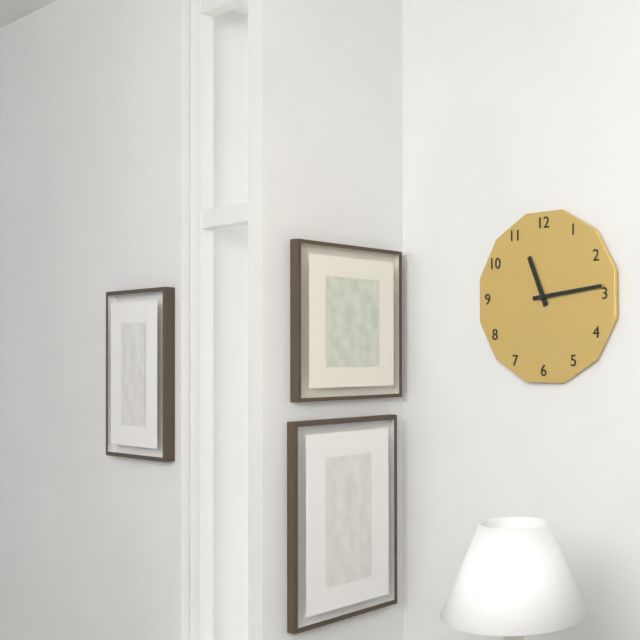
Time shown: 11:14
